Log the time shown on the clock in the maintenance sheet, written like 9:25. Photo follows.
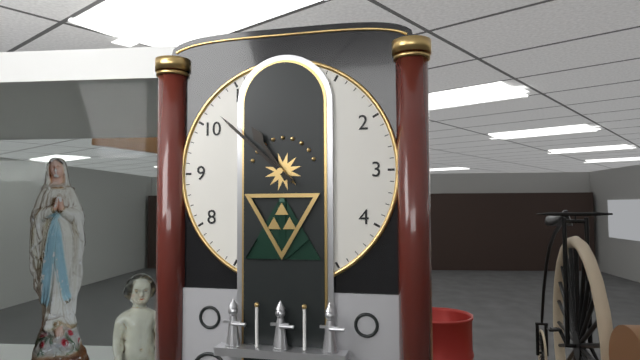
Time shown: 10:52
